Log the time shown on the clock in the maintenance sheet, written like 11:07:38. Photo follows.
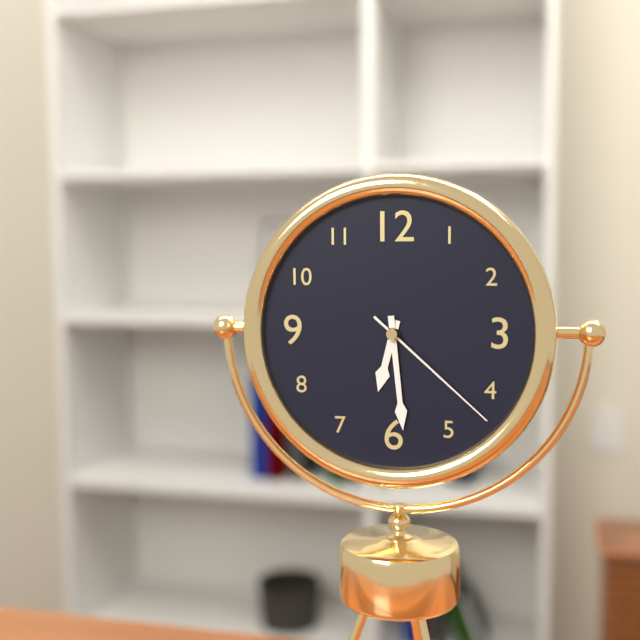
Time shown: 6:29:22
